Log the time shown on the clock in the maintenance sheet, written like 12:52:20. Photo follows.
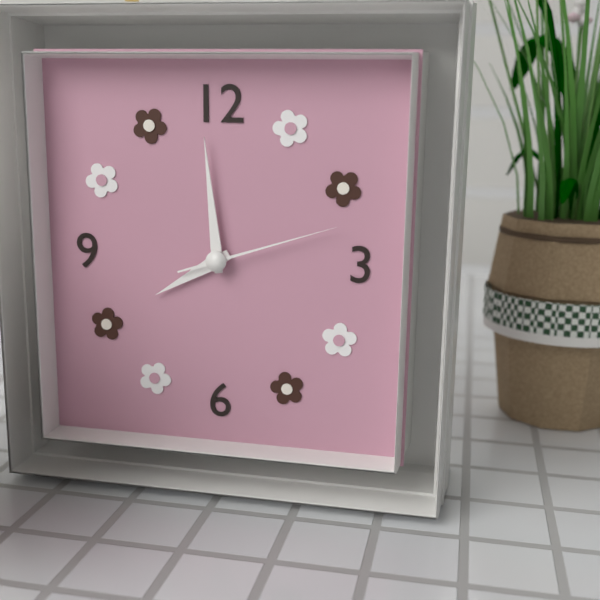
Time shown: 7:59:12
